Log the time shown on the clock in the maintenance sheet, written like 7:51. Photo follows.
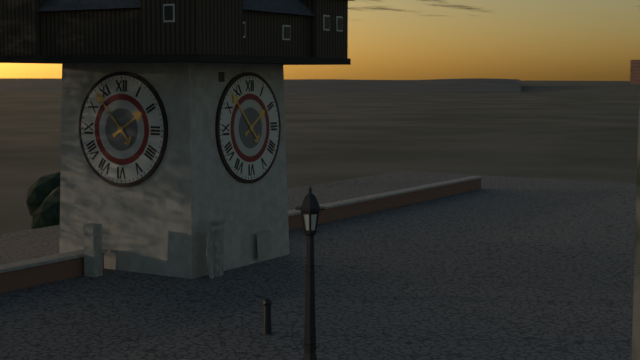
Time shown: 1:53
